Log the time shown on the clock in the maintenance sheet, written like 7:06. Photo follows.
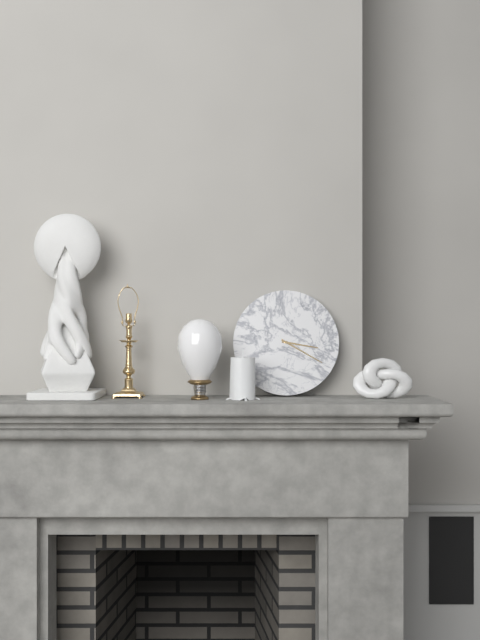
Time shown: 3:20
